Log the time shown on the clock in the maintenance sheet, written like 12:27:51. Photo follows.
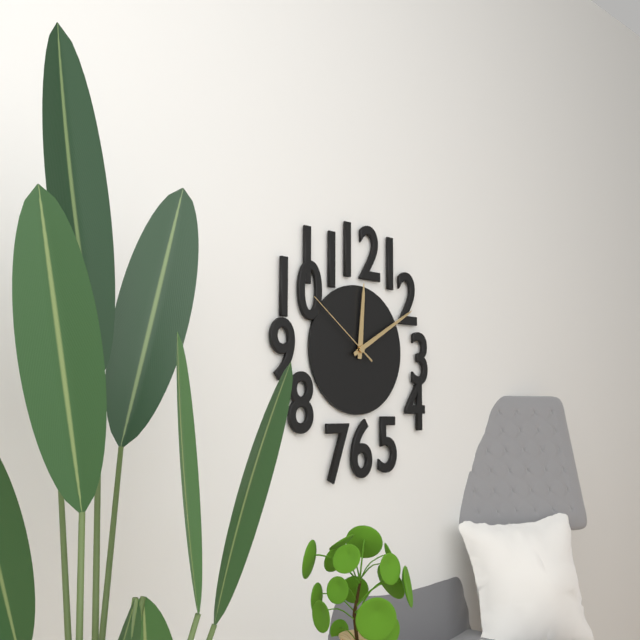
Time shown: 12:10:51
